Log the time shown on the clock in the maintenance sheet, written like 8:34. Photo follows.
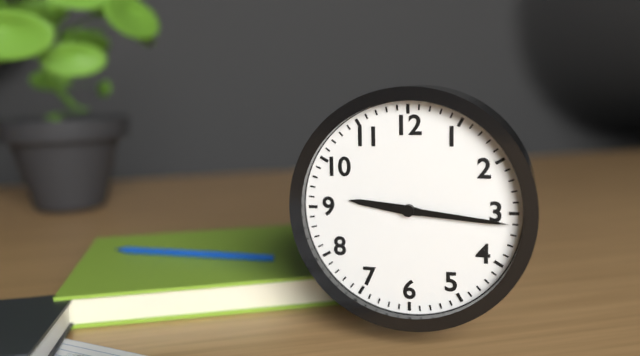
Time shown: 9:16
